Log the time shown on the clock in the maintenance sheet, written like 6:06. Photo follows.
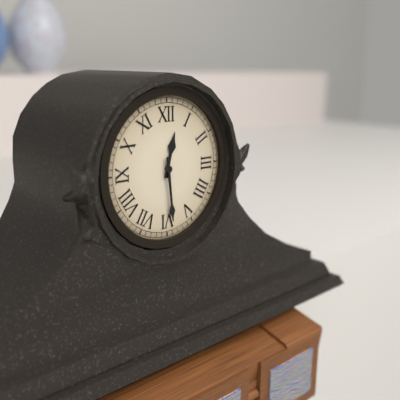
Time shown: 12:29
